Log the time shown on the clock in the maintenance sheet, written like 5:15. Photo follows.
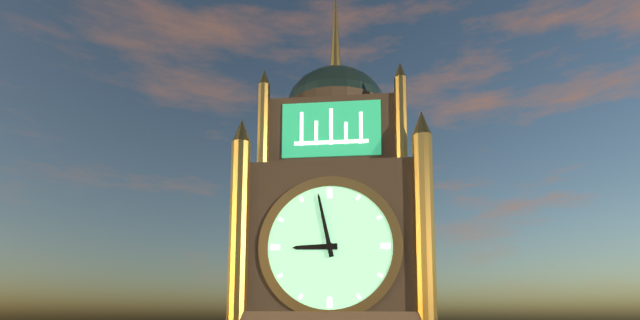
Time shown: 8:58
